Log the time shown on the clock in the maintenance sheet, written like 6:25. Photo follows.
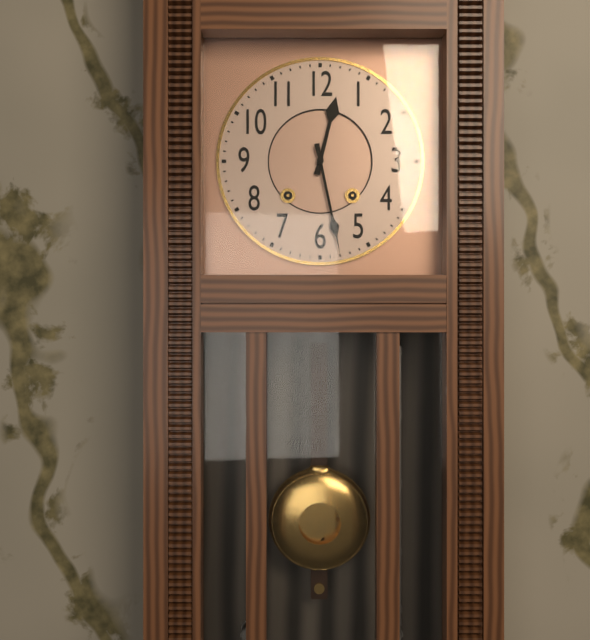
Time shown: 12:28
